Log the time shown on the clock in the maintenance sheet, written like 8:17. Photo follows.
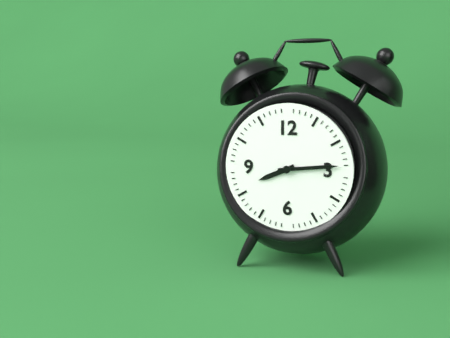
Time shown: 8:14
